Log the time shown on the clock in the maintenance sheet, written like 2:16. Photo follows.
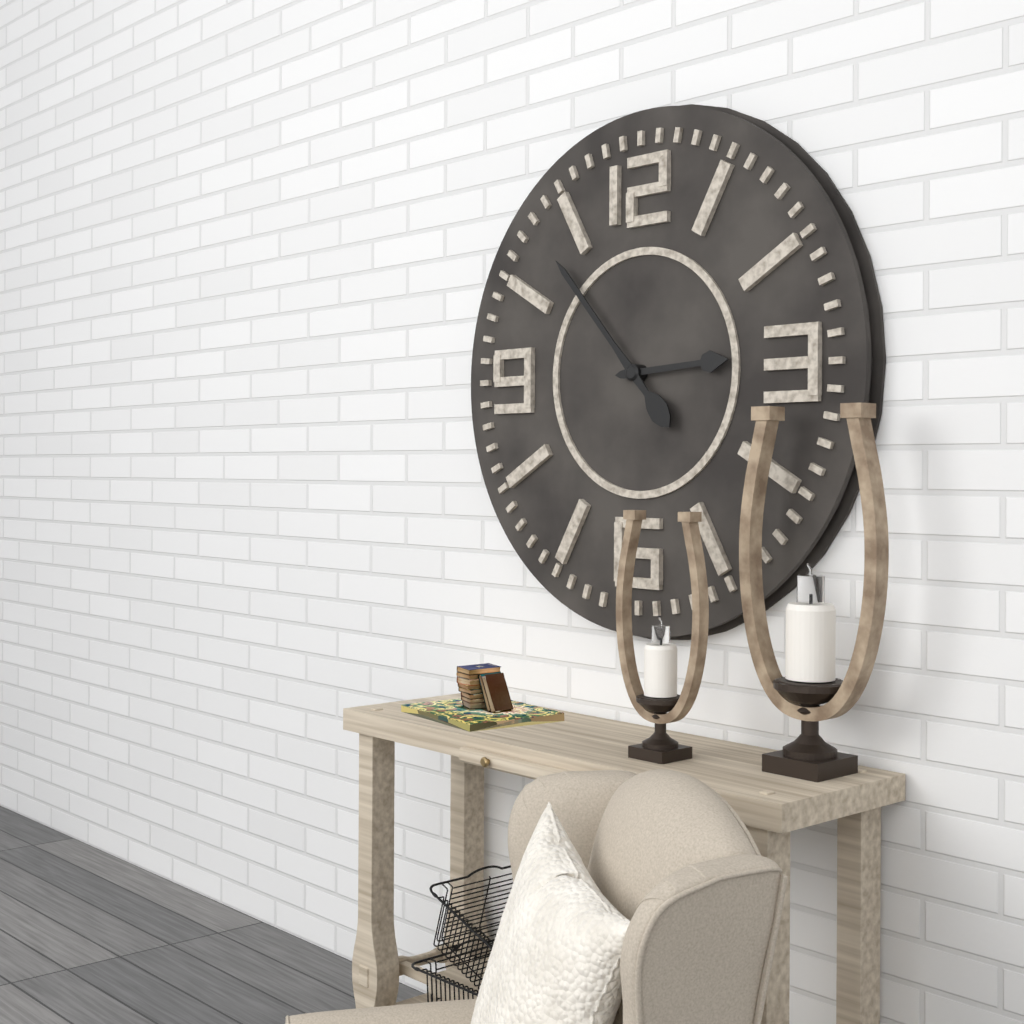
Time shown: 2:53
